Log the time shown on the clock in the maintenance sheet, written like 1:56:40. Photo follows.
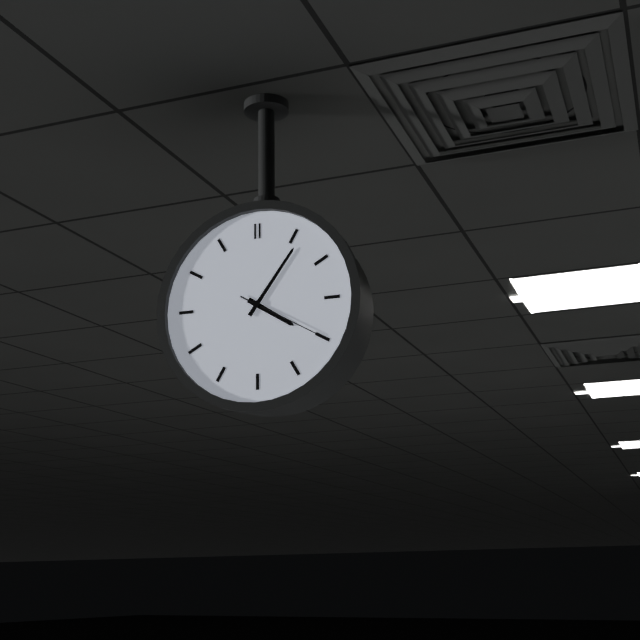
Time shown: 4:06:20
